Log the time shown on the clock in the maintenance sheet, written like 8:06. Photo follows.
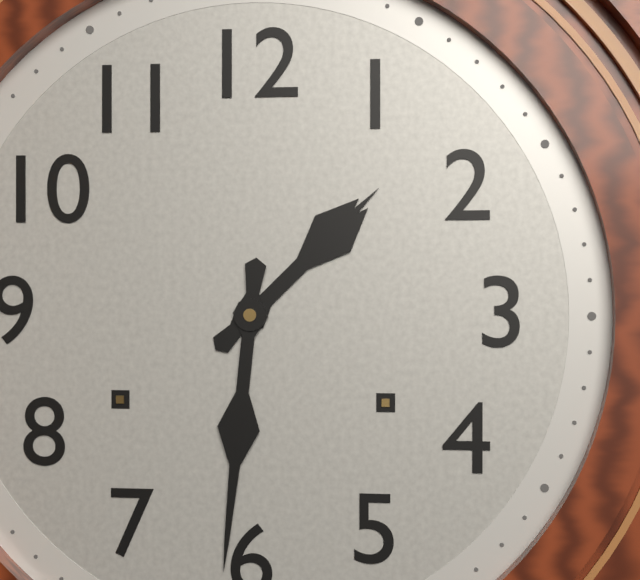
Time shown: 1:31
